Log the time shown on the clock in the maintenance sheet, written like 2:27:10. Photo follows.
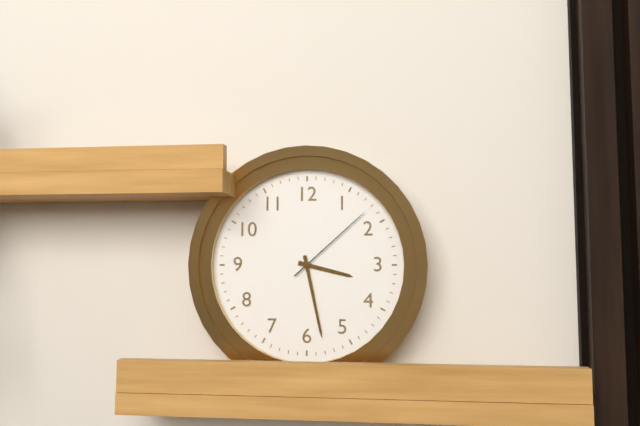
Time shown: 3:28:08
